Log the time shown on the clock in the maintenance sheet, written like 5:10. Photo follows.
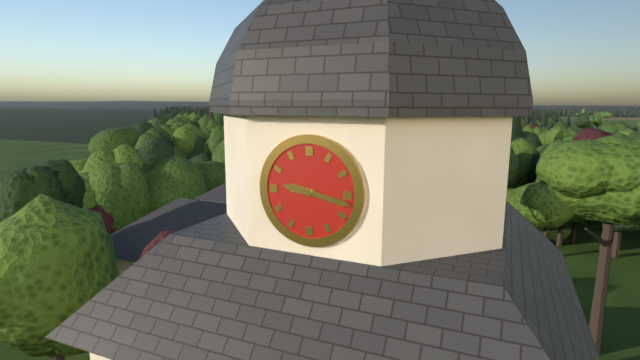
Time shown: 9:17
